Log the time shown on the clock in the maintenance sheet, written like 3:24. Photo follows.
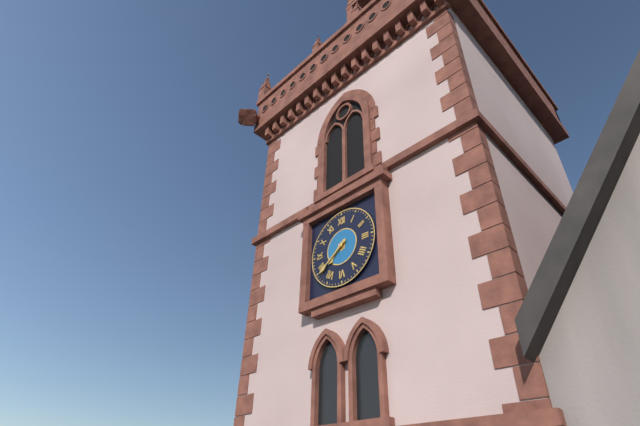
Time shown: 7:39
